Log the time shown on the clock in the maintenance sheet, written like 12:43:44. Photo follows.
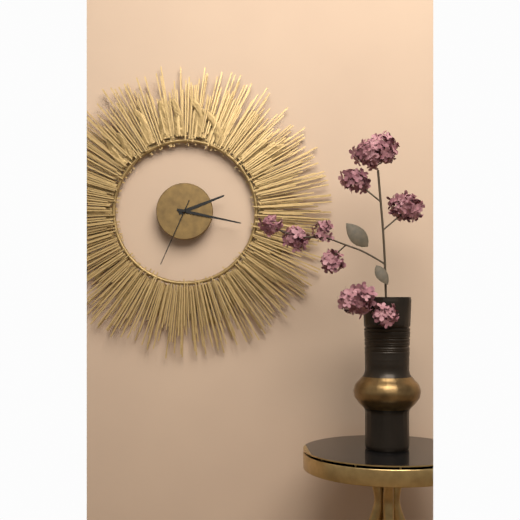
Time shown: 2:17:34
